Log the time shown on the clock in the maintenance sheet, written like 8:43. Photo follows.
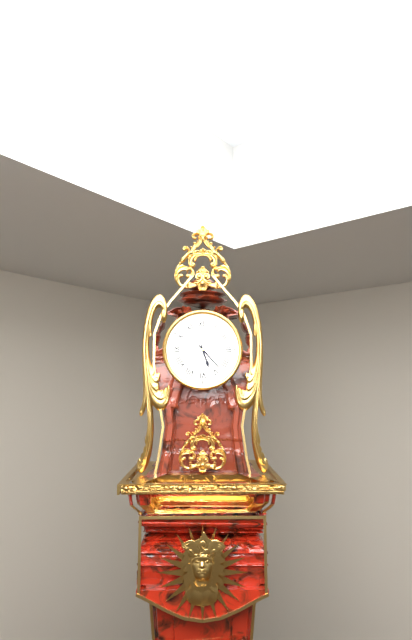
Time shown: 5:23
